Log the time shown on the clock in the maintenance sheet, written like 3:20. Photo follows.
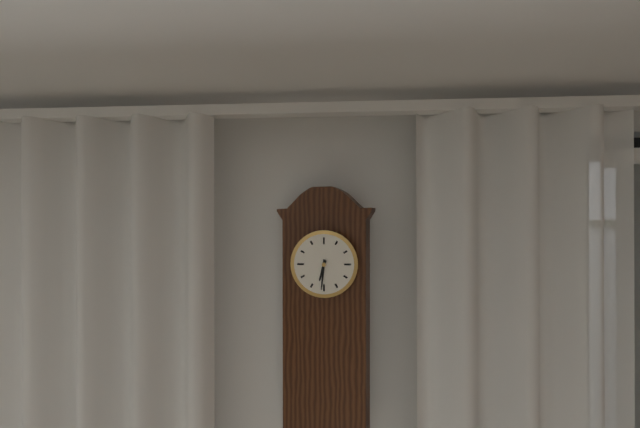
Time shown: 6:31
